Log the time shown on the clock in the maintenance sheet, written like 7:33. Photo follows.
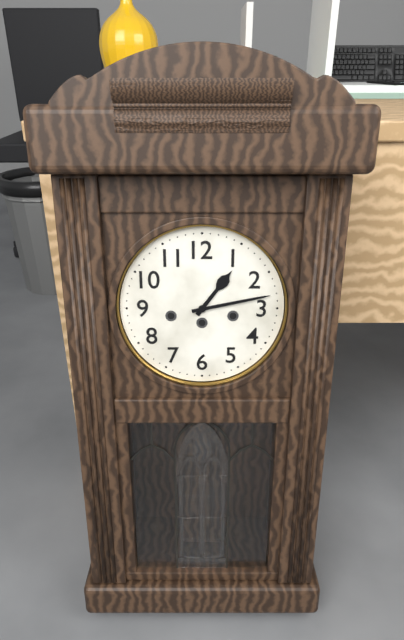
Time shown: 1:13
